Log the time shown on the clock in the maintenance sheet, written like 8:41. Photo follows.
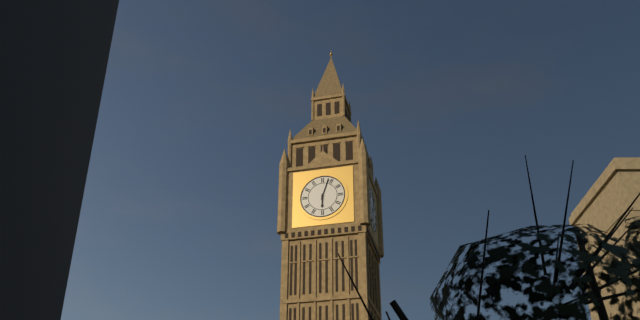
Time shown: 6:03
